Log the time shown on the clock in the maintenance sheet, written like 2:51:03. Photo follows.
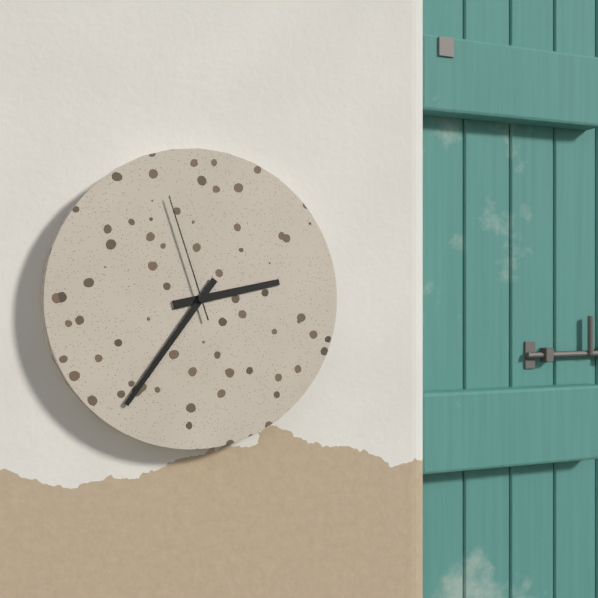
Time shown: 2:36:57
